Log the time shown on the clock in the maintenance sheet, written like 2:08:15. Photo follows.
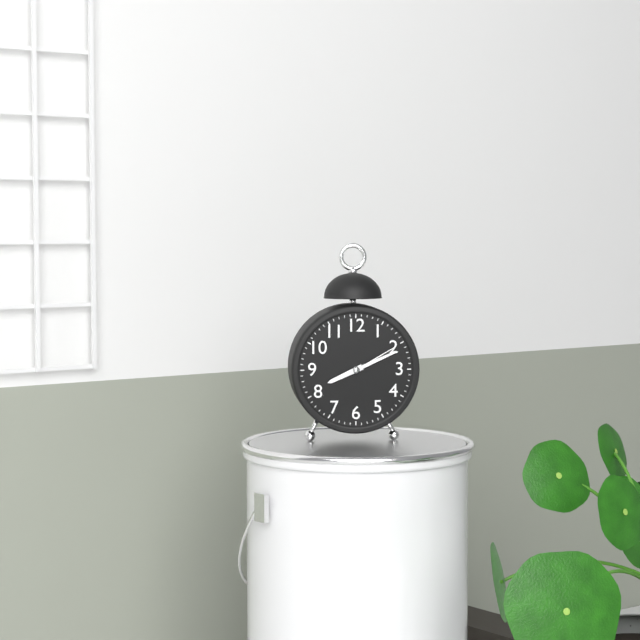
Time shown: 8:11:10
